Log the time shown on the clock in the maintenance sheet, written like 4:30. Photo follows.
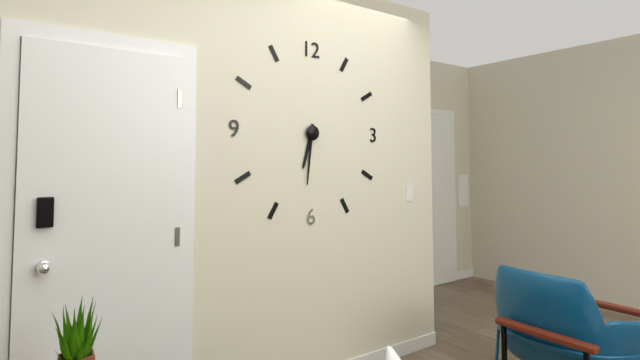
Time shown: 6:31
